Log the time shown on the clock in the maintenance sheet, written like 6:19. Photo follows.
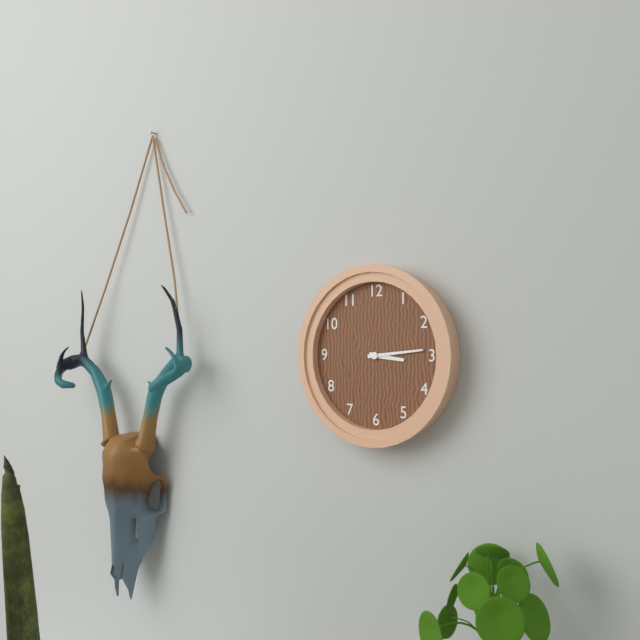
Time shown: 3:14
